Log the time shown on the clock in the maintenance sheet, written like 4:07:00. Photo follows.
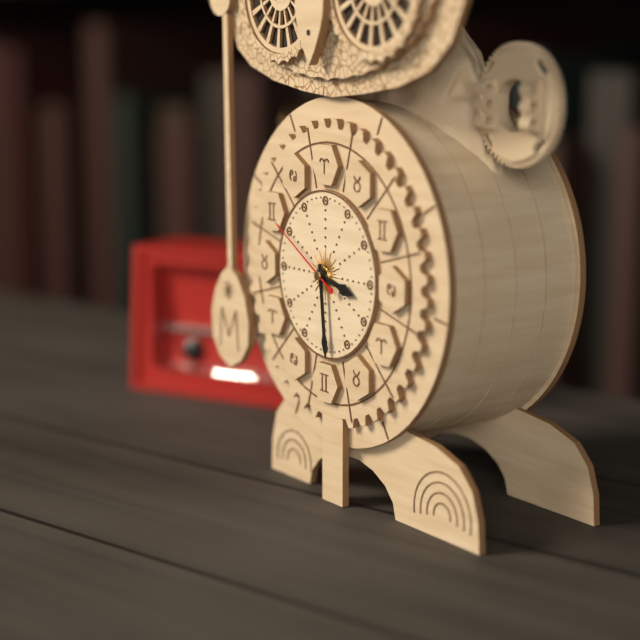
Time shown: 3:29:50
